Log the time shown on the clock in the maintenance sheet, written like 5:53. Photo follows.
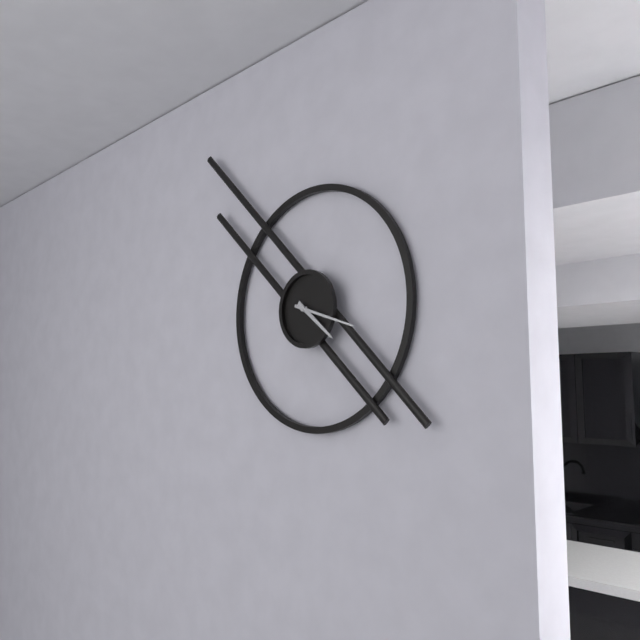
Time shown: 4:18
